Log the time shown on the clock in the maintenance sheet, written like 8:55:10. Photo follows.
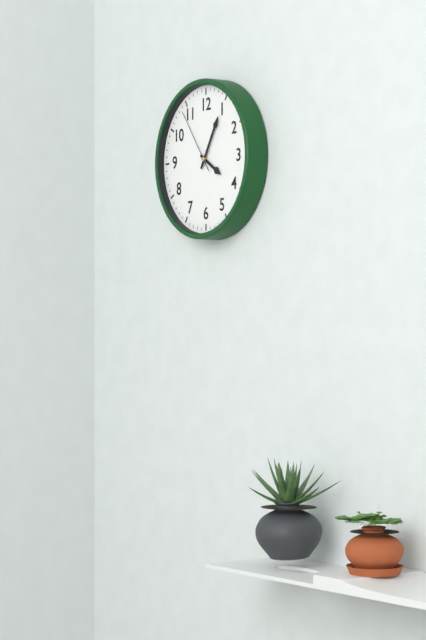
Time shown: 4:05:54
